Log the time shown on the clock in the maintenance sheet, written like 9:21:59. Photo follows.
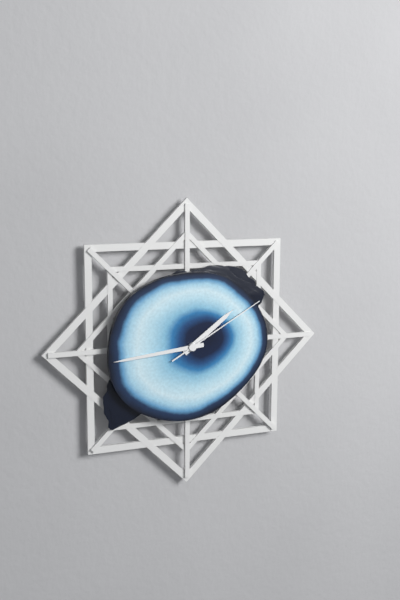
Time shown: 1:44:10
